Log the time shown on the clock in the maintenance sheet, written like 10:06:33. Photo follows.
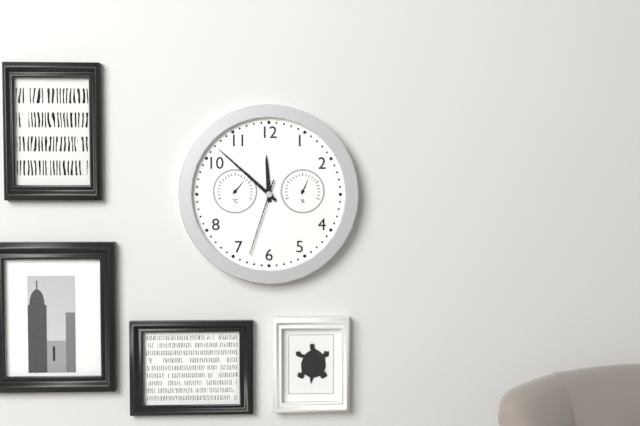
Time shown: 11:52:33
